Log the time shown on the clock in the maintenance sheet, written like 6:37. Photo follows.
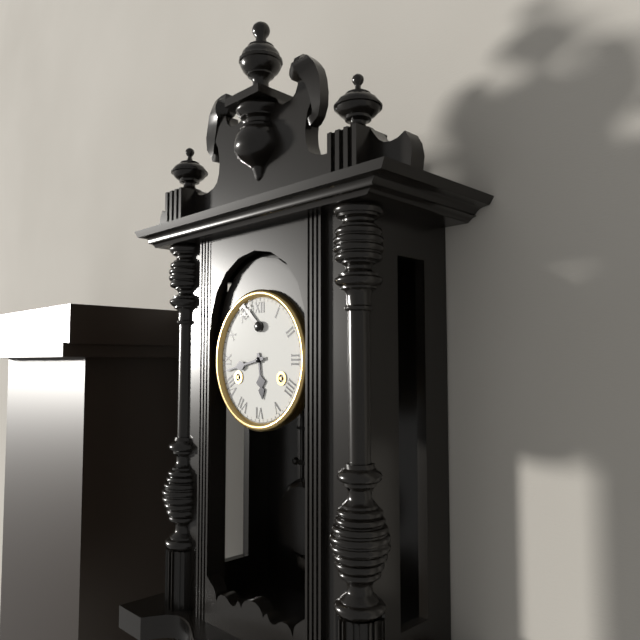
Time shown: 5:43
